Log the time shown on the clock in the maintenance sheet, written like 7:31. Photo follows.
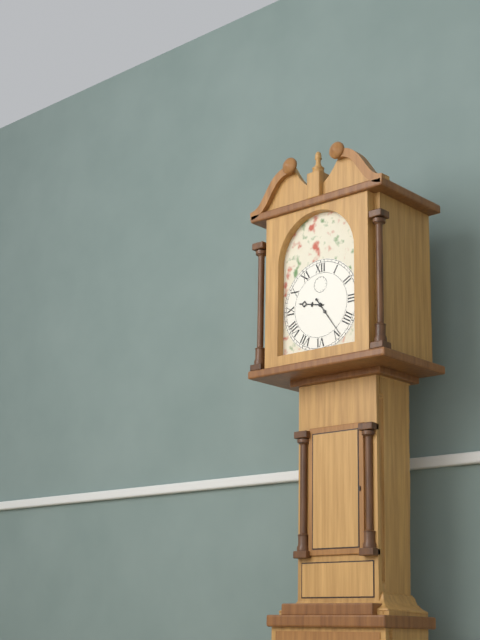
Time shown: 9:24
